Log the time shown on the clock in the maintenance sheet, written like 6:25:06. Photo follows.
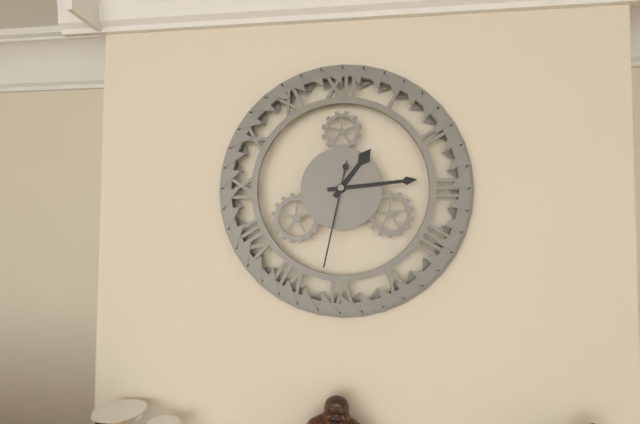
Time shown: 1:14:32
